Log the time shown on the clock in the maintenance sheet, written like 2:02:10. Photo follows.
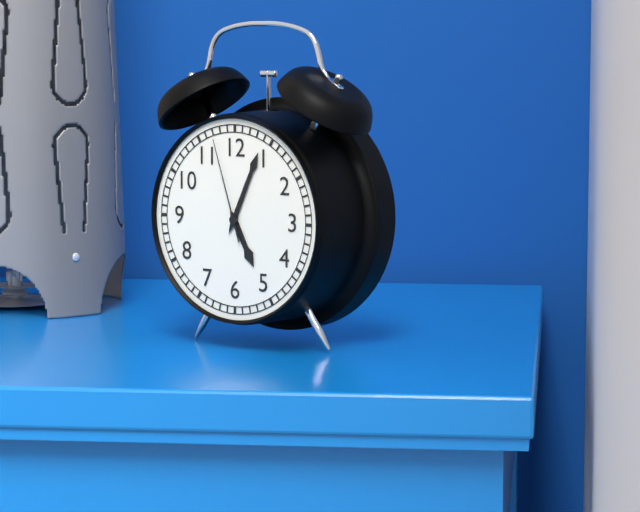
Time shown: 5:04:57
